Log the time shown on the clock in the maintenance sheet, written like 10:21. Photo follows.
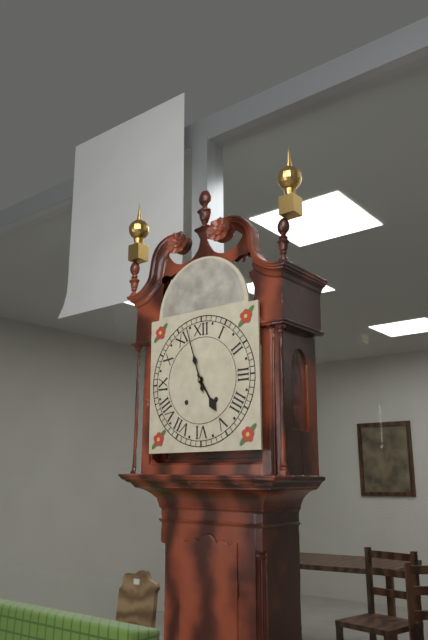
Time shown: 4:57
